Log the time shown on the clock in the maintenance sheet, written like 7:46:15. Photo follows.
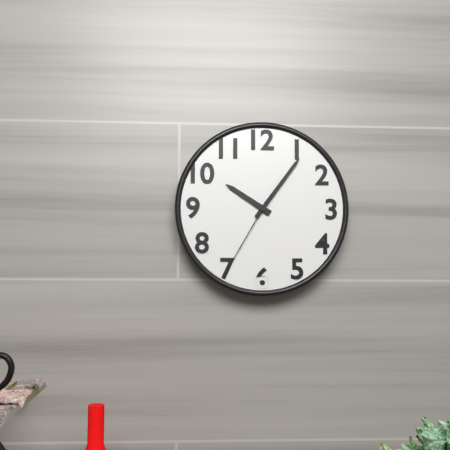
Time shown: 10:06:35
